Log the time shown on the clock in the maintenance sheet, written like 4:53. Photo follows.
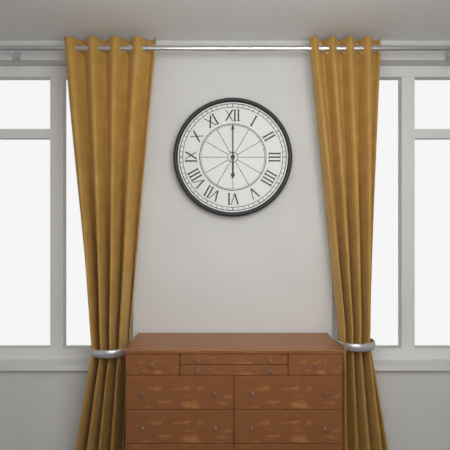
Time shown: 6:00
